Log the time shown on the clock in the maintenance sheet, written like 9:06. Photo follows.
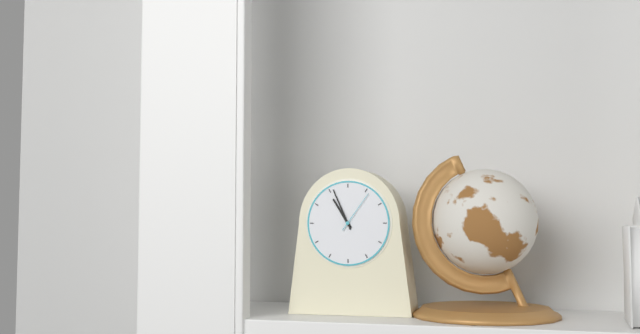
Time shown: 10:56
